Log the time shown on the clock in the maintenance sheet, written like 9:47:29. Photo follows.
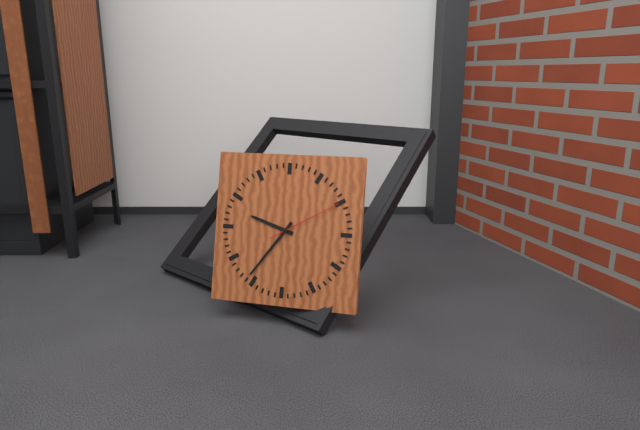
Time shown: 9:36:10
